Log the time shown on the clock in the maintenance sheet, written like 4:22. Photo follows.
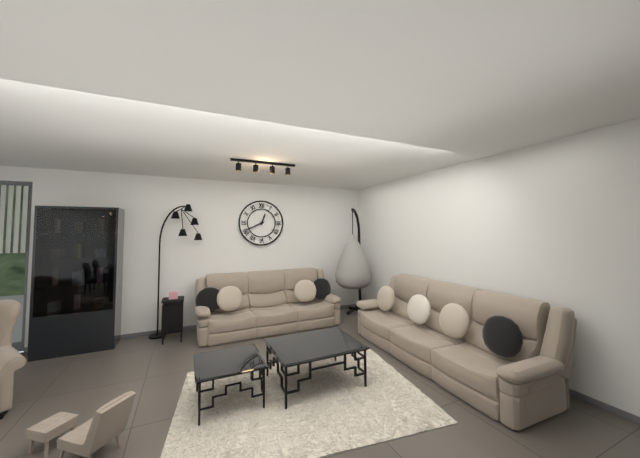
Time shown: 12:41
